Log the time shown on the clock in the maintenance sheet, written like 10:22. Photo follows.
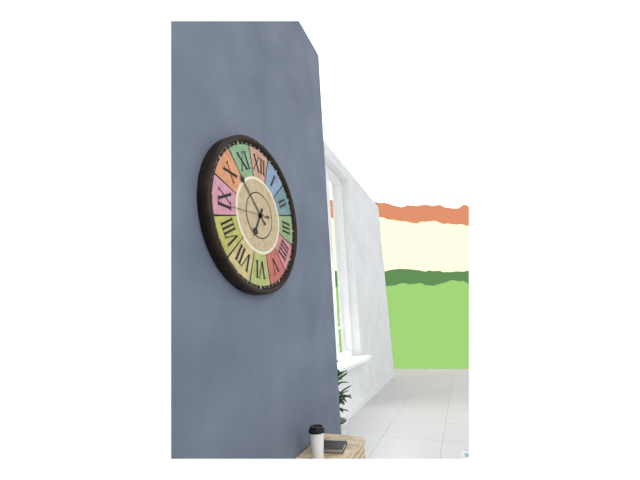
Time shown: 6:52
